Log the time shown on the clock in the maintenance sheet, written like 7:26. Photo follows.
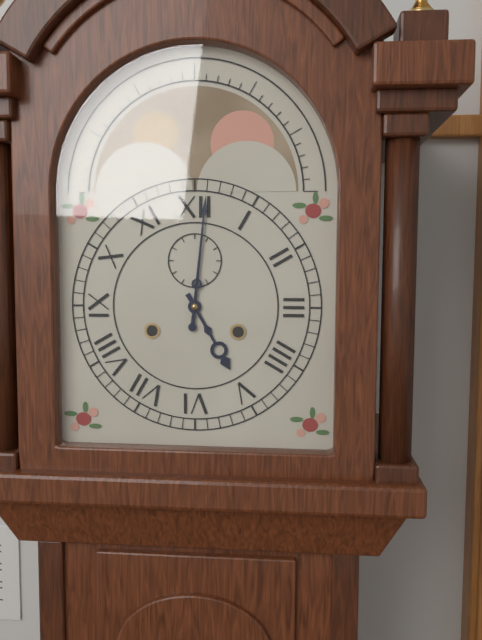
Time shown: 5:01
